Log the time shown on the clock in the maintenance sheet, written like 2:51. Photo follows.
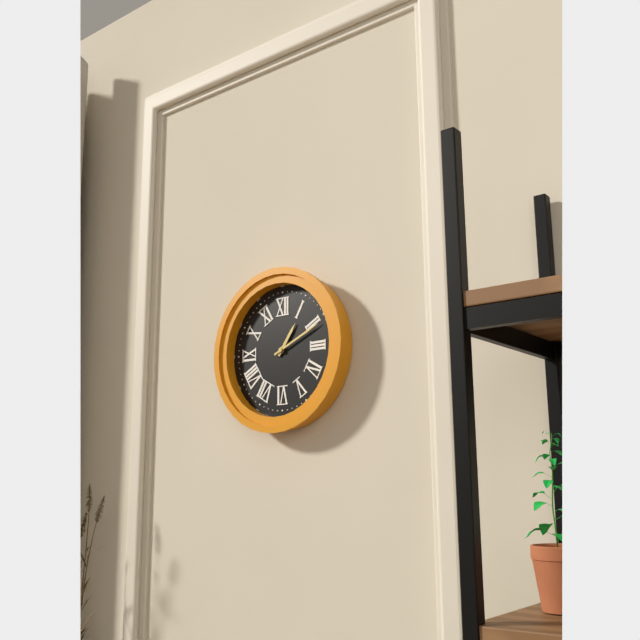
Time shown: 1:11
